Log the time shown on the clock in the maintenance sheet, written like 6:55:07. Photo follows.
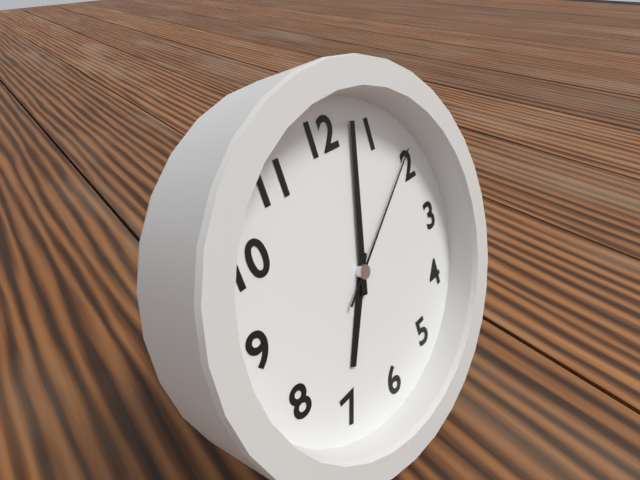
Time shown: 7:03:09
